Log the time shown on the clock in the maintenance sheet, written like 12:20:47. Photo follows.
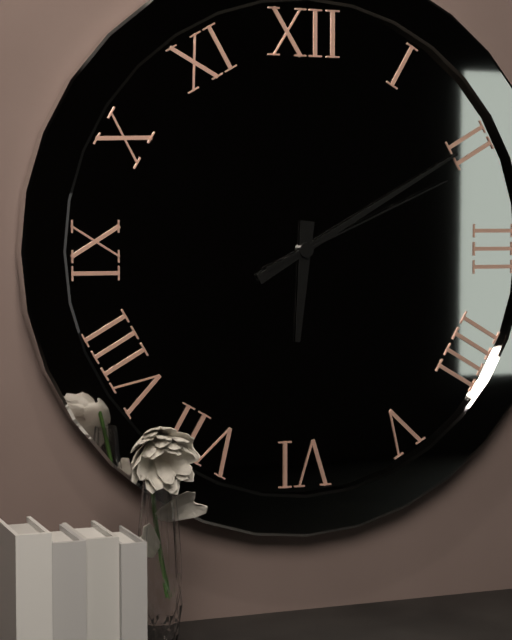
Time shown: 6:10:11
